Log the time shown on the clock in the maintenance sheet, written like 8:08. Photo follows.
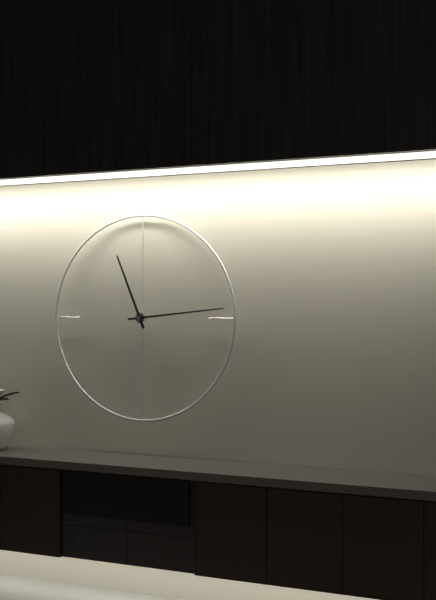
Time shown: 11:14
